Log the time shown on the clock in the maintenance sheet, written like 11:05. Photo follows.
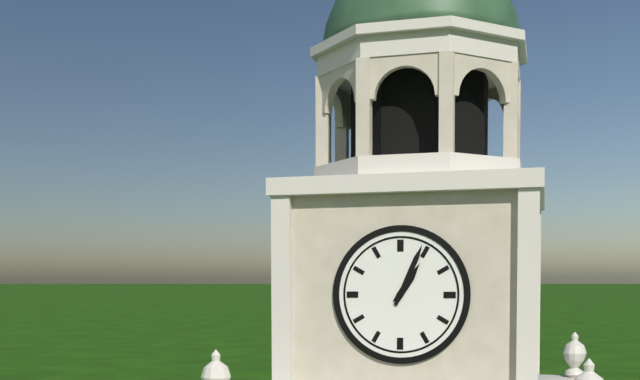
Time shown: 1:04
